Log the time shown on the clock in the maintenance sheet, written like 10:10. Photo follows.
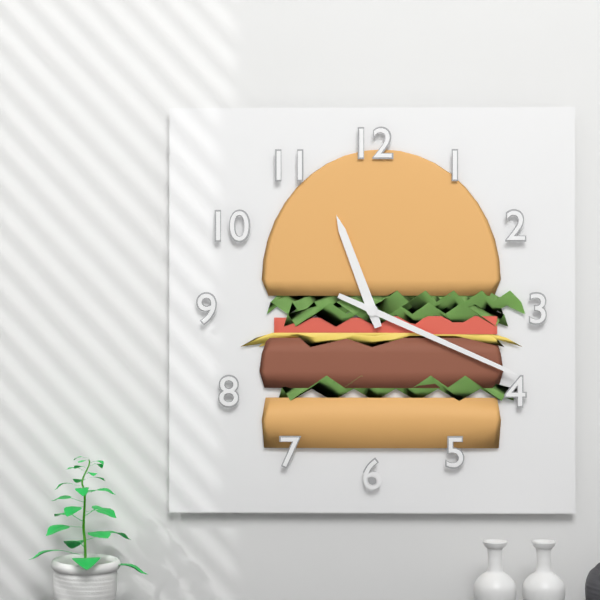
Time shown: 11:19
